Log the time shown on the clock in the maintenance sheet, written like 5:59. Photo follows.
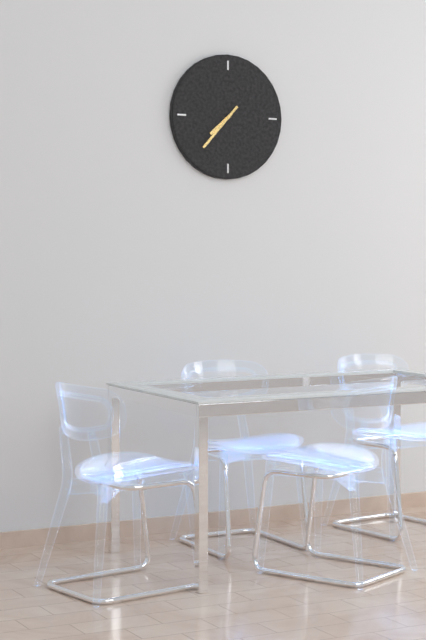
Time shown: 7:37
